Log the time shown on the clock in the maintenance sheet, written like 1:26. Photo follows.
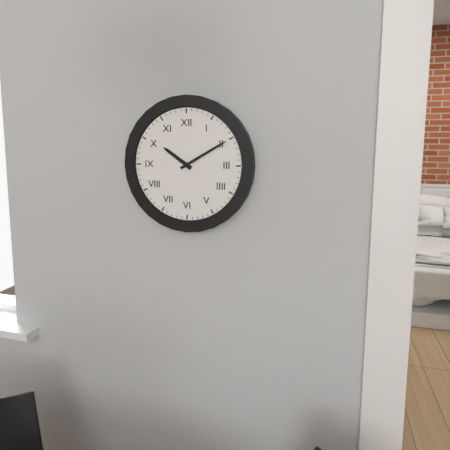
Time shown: 10:10
